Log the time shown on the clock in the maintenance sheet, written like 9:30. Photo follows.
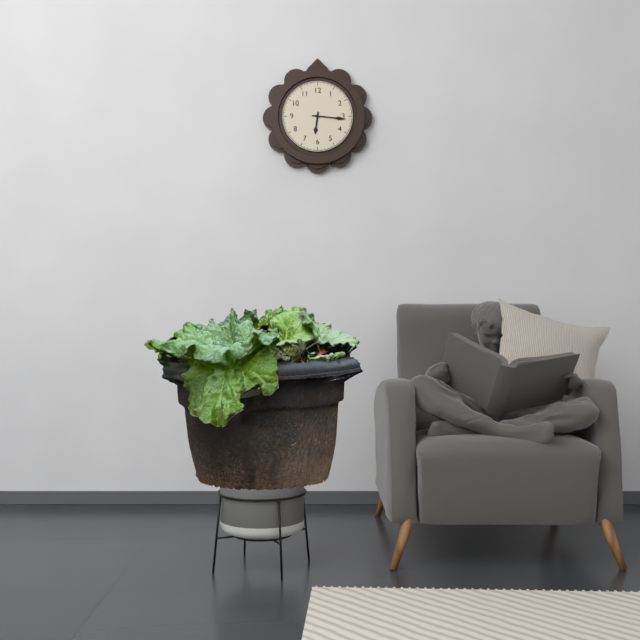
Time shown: 6:16
